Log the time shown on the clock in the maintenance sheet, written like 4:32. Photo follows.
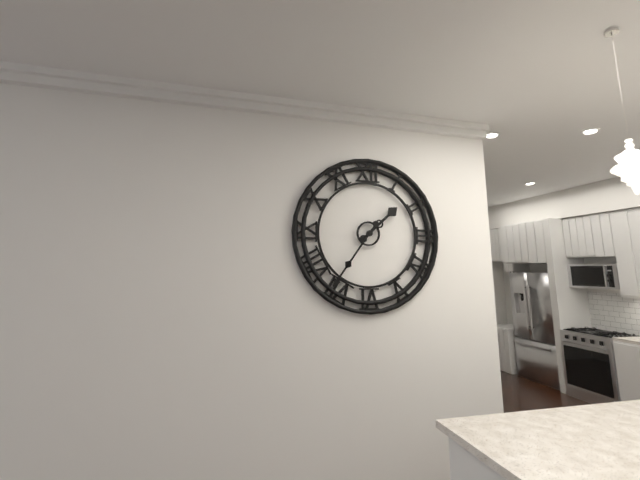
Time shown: 1:36
